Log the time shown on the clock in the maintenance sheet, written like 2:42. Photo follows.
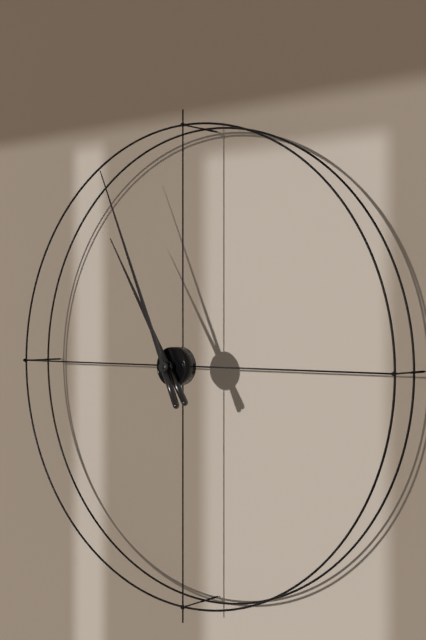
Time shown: 10:56
